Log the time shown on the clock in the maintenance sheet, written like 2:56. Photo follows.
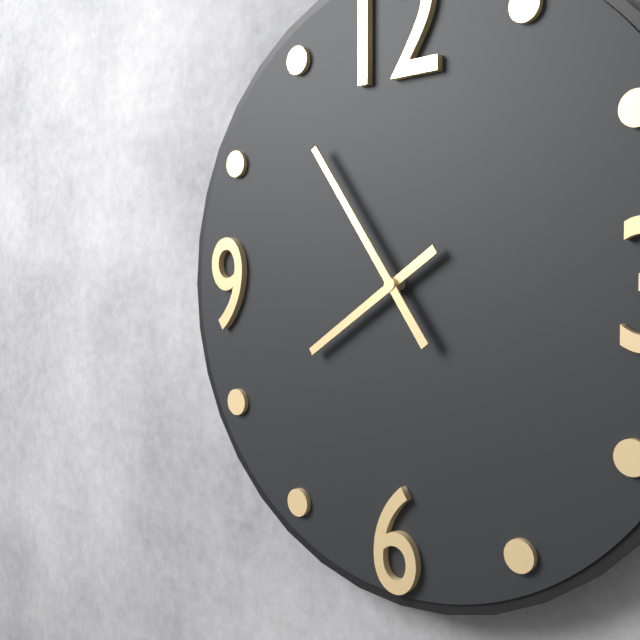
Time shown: 7:54
